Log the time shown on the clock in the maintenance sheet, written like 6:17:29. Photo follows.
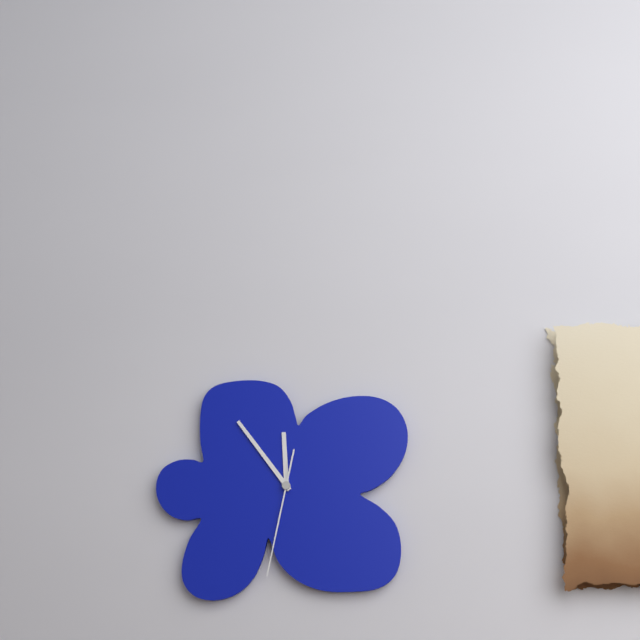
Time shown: 11:54:32
